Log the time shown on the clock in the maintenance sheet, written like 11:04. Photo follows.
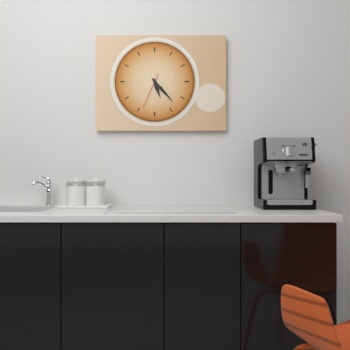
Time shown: 5:23
